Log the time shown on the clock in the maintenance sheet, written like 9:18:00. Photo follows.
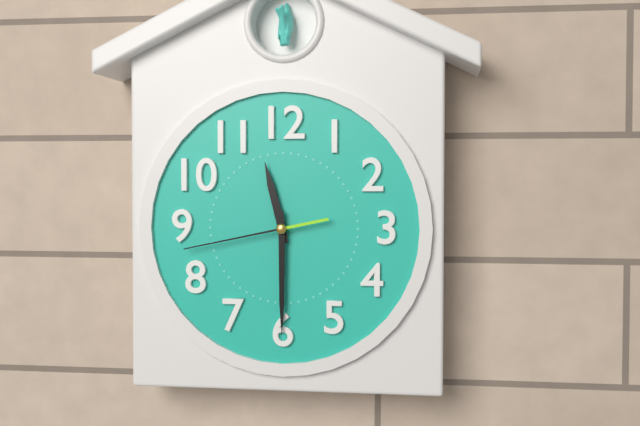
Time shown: 11:30:43
